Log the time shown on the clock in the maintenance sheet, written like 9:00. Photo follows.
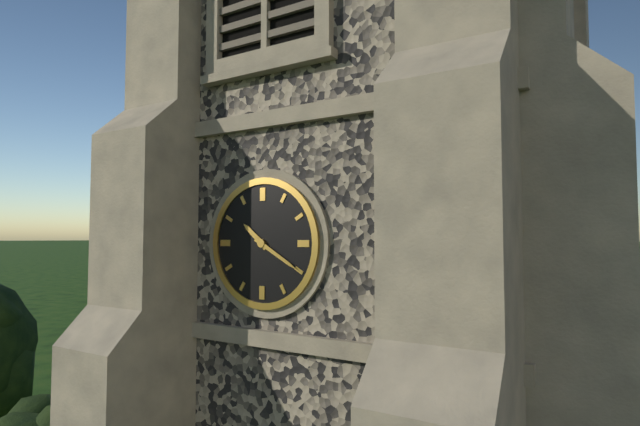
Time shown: 10:20
